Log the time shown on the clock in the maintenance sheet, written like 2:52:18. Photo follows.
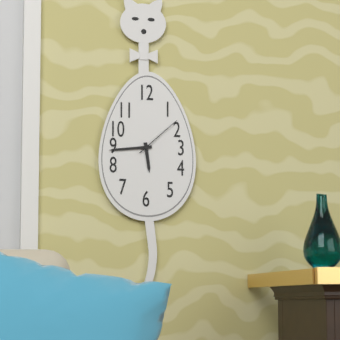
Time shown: 5:44:08
